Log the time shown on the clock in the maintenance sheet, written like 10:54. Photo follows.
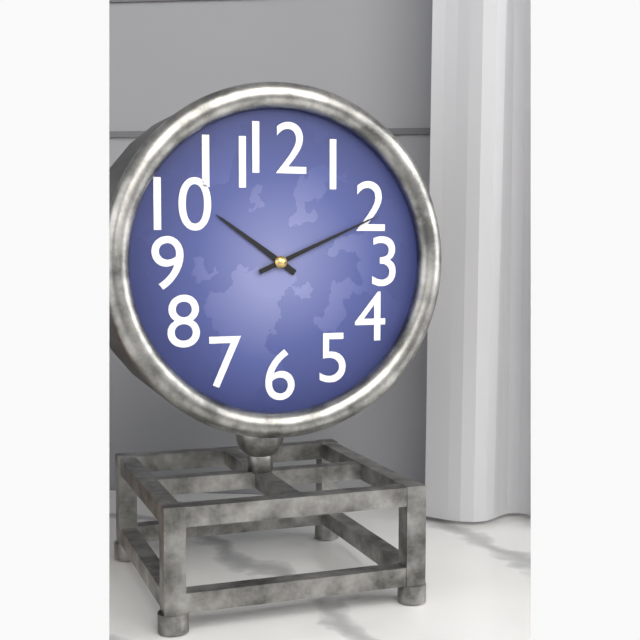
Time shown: 10:11
